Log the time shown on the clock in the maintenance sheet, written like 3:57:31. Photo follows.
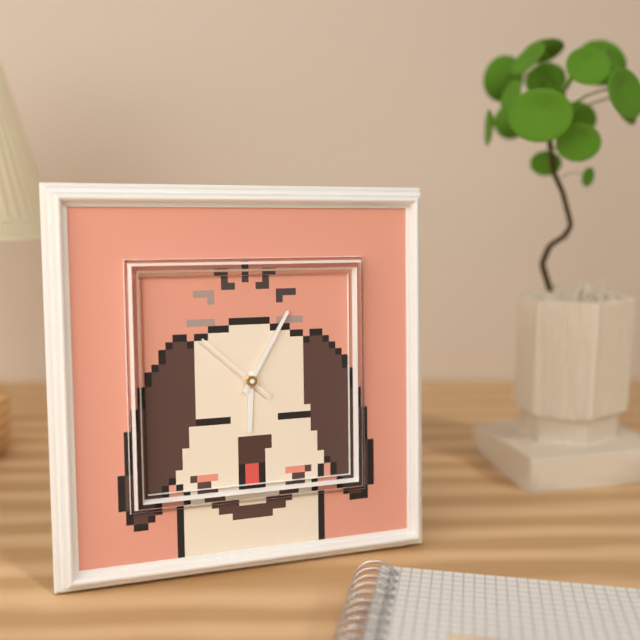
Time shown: 6:05:52
